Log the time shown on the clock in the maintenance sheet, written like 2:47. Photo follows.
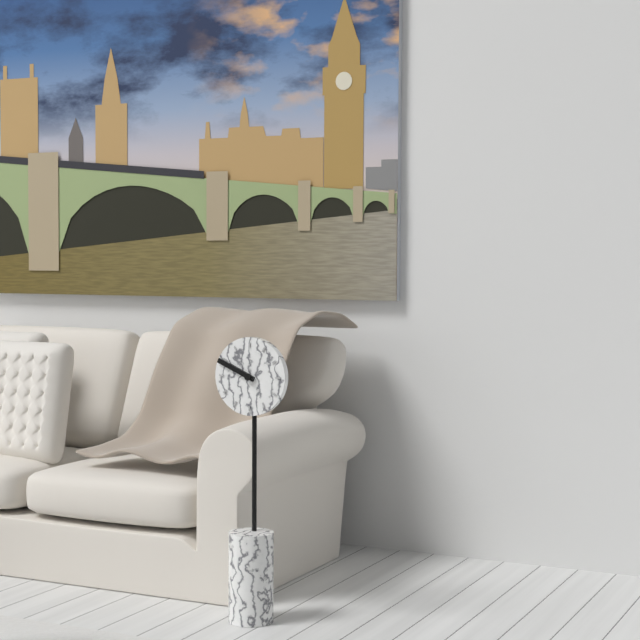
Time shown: 9:49
